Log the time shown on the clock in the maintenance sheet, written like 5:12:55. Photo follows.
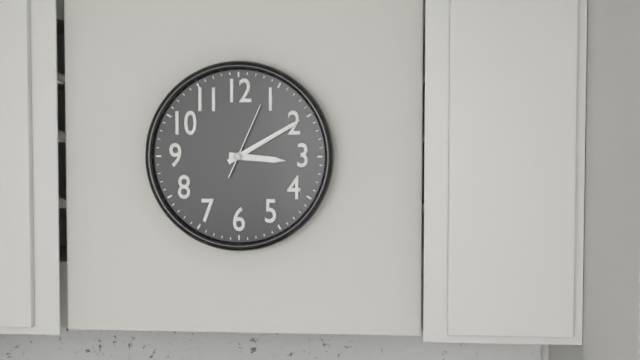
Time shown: 3:10:04
